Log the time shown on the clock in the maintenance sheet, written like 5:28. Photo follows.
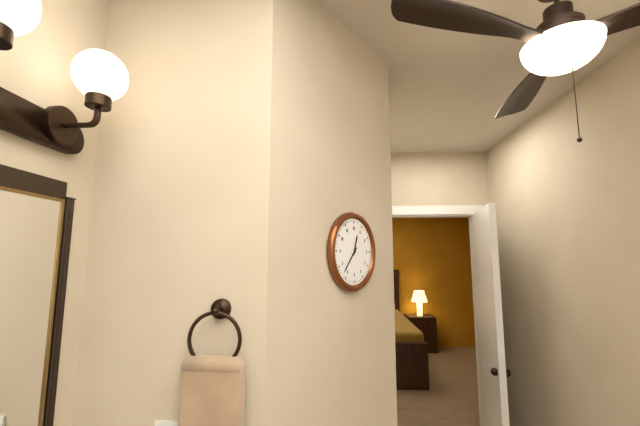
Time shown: 12:37
